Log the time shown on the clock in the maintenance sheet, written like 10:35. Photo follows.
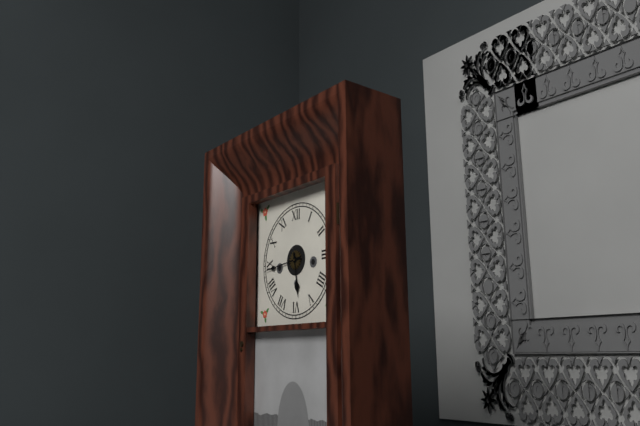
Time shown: 5:44
